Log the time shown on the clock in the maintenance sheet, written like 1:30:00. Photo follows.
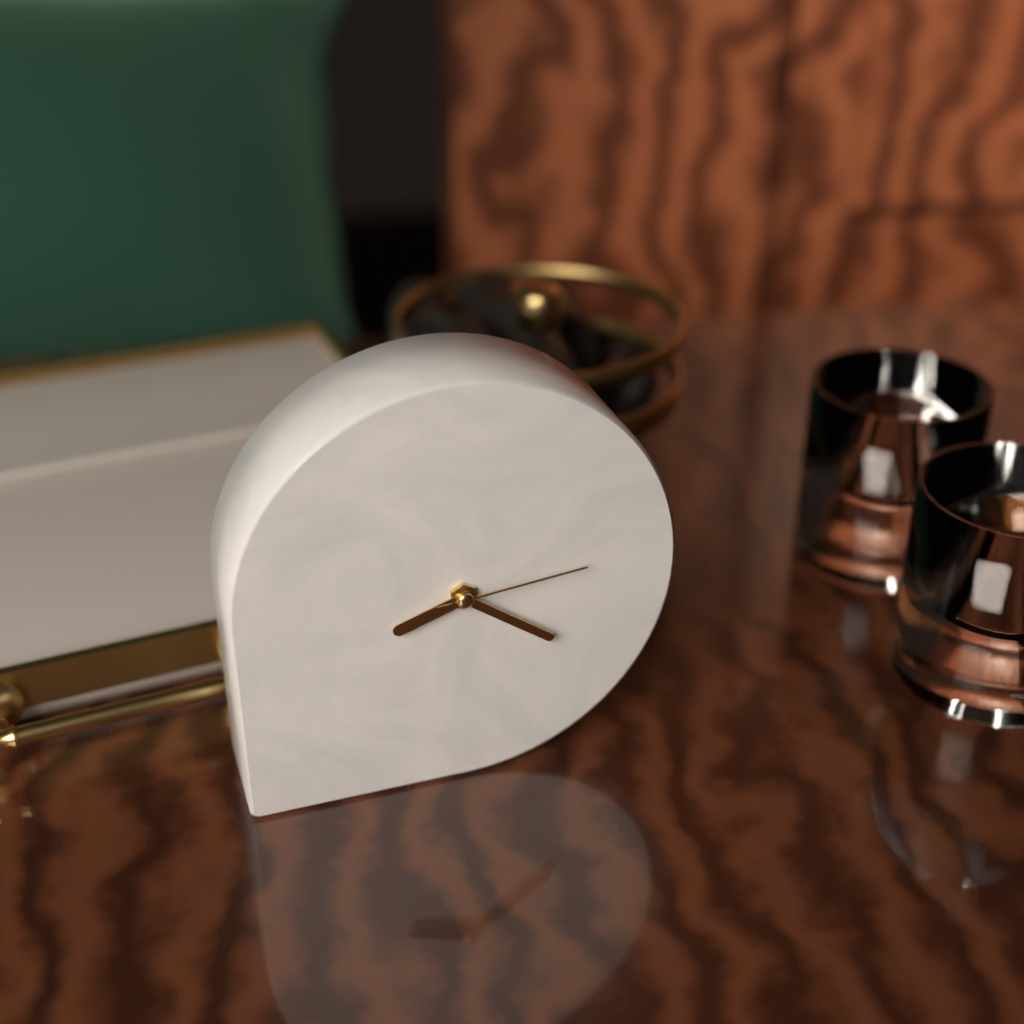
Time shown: 8:21:14
